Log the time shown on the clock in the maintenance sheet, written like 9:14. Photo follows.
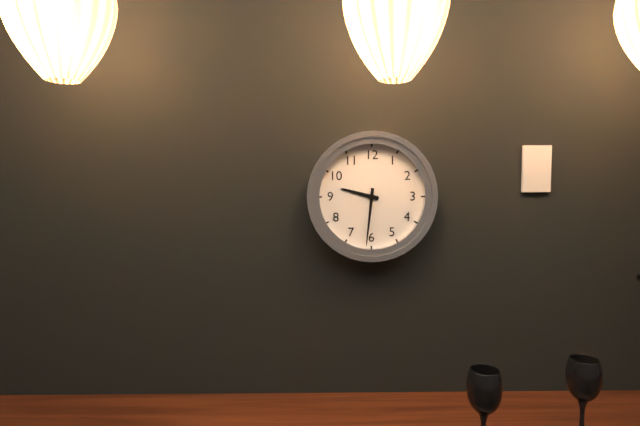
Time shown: 9:31
